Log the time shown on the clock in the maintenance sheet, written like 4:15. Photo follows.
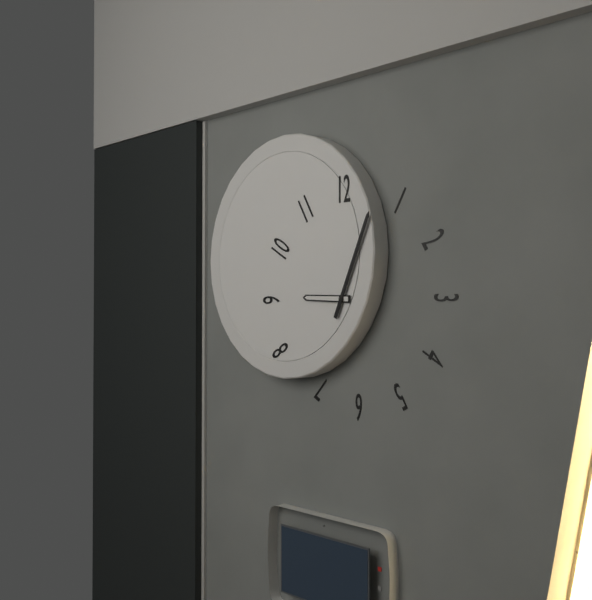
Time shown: 9:04
